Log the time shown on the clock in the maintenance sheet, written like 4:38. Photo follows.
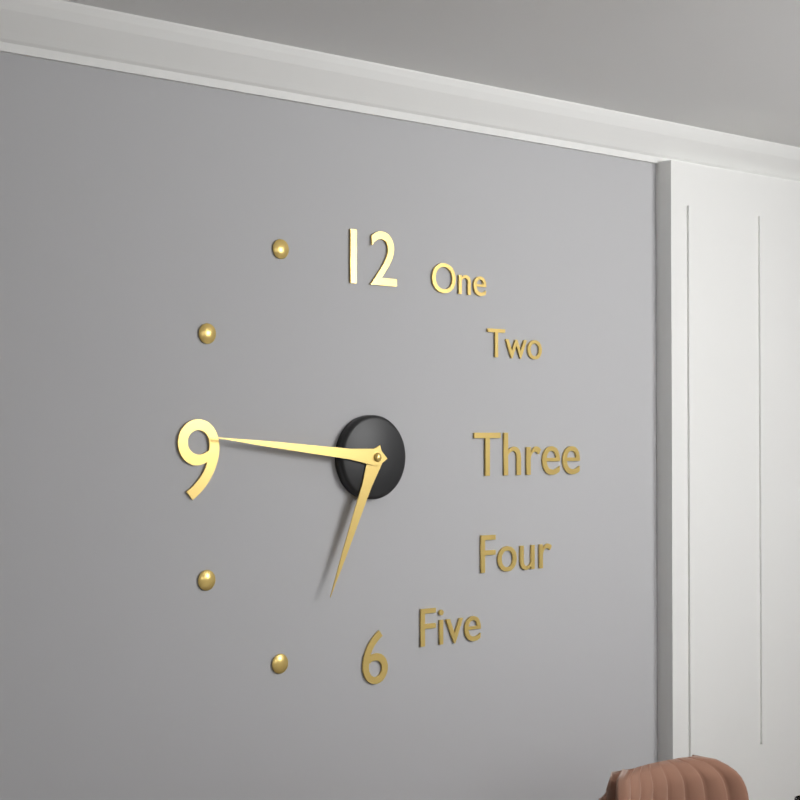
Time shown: 6:46
